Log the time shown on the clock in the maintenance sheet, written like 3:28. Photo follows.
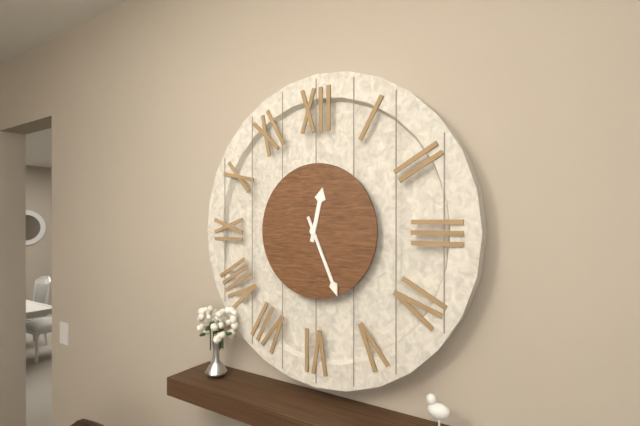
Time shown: 12:26
